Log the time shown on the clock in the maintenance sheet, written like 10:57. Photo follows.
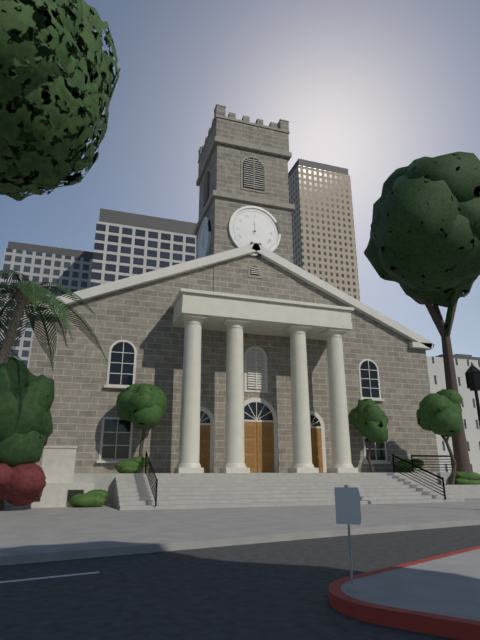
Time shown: 12:05
